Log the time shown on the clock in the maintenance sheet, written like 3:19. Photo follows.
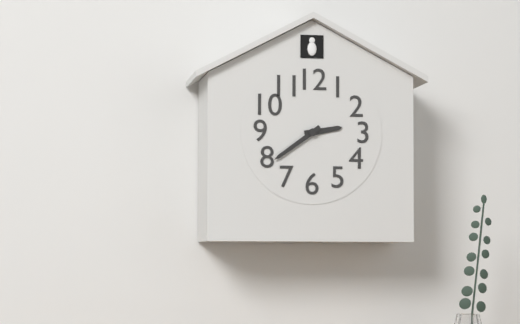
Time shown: 2:39
